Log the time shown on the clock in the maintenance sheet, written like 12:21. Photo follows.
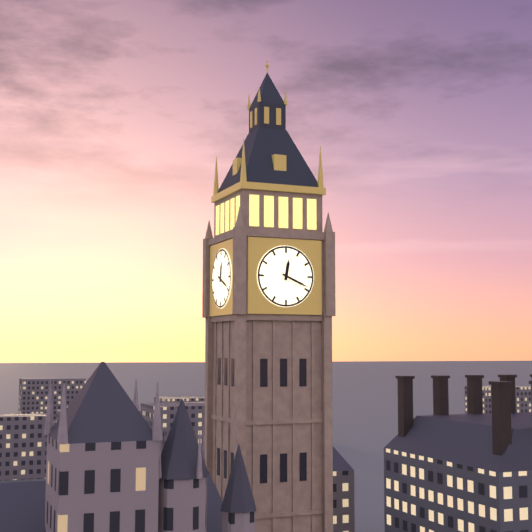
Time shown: 12:19
